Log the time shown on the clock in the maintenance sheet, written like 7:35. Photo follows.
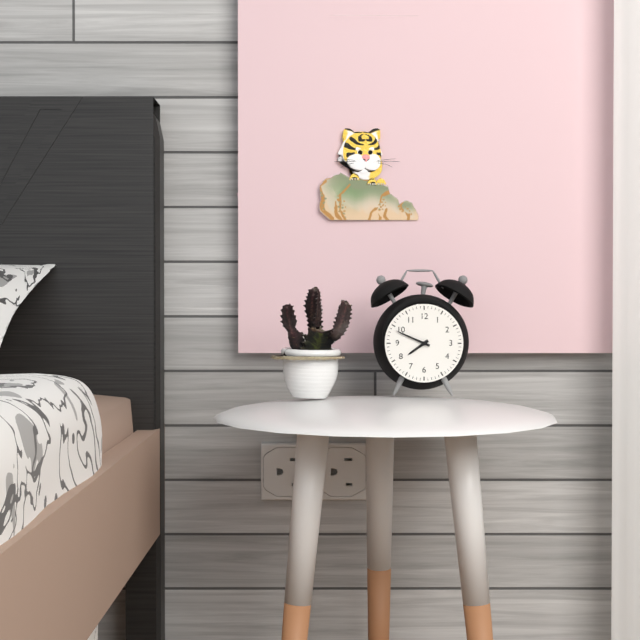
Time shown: 7:49
